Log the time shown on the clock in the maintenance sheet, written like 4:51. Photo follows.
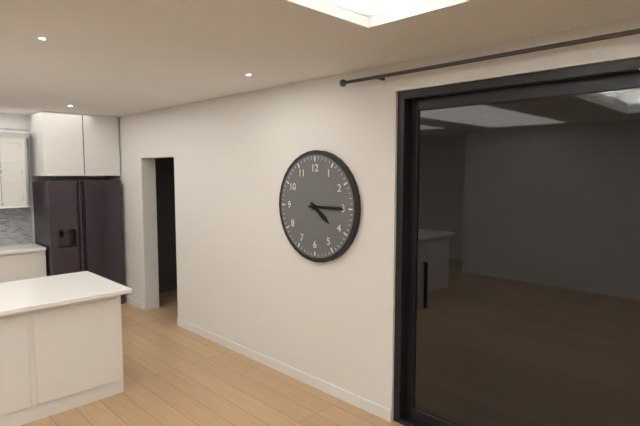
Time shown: 4:15
